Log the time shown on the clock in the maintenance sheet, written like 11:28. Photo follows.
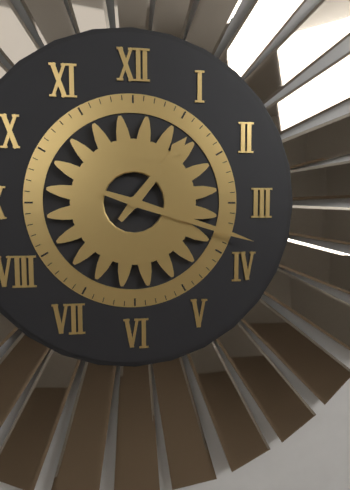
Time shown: 1:18
